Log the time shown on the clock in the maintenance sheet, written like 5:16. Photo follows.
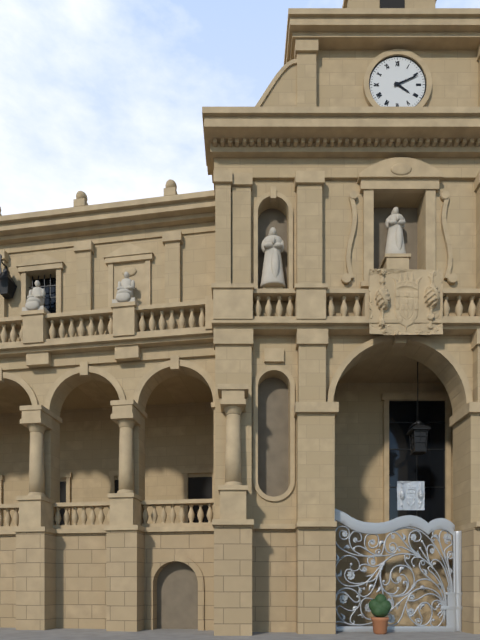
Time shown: 4:11
